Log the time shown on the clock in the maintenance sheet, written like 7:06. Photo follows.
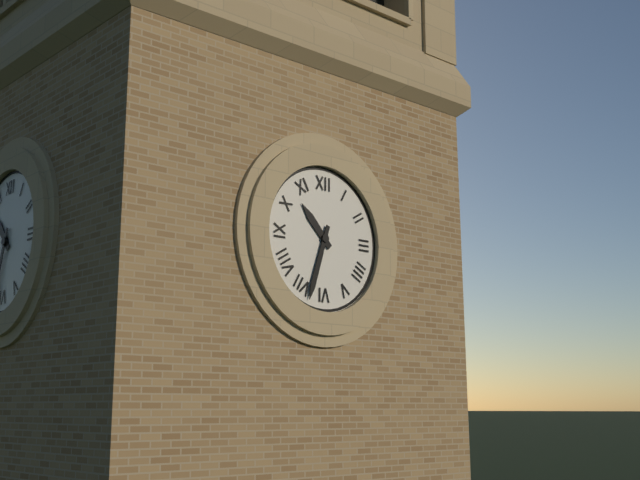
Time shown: 10:33
